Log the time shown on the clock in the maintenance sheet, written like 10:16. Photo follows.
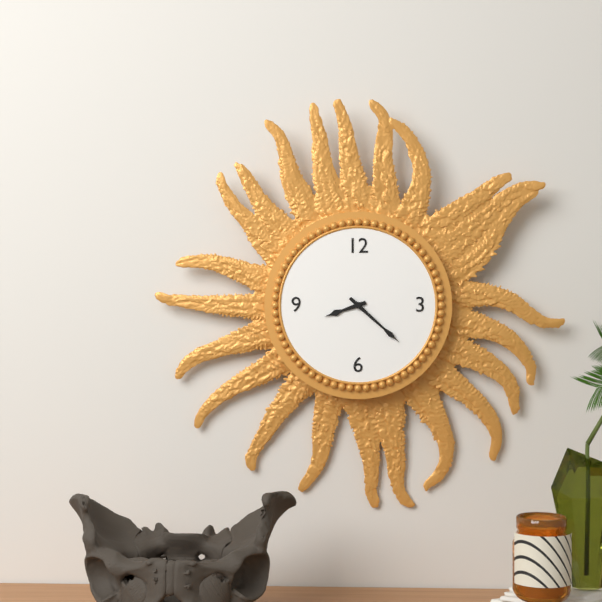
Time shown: 8:22
